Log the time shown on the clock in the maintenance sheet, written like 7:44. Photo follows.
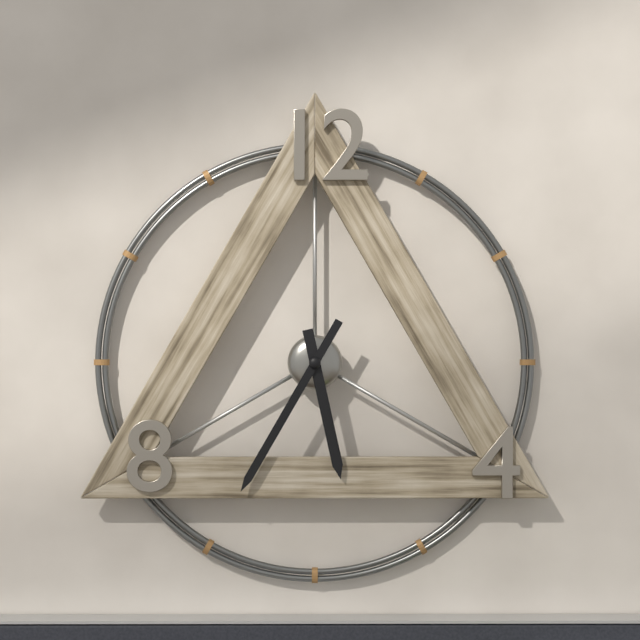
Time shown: 5:35
